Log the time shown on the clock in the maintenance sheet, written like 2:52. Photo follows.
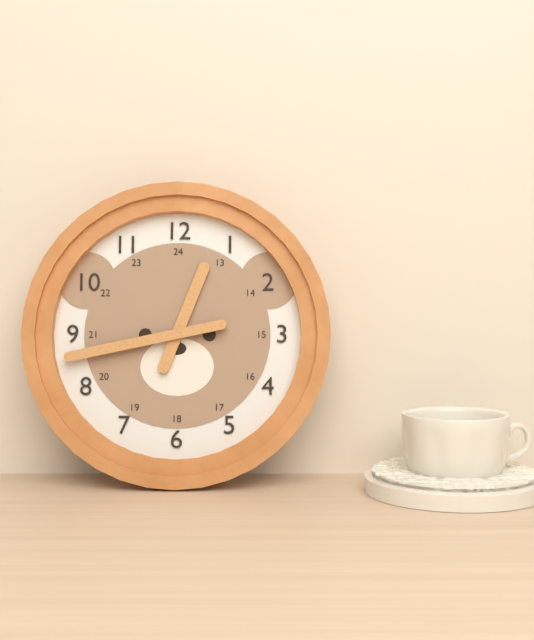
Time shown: 12:43
